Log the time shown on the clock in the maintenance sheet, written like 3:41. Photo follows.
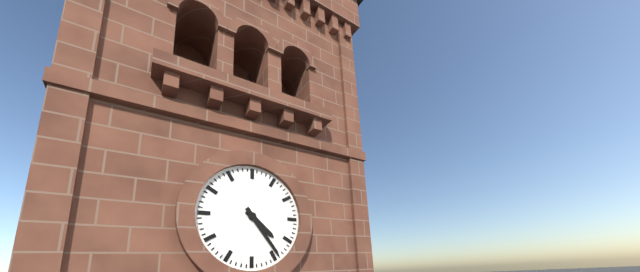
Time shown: 4:24
